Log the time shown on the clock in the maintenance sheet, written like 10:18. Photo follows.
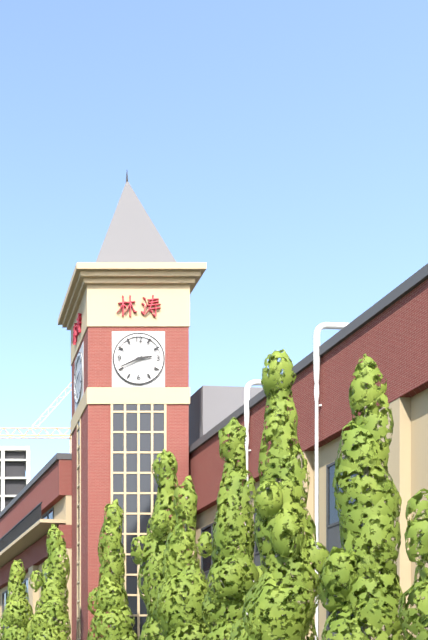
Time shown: 2:41
